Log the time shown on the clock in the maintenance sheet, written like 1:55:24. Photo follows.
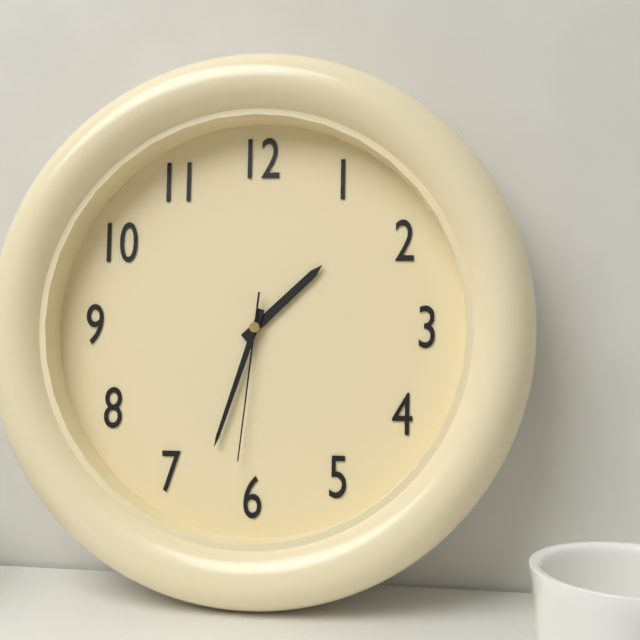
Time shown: 1:33:31
